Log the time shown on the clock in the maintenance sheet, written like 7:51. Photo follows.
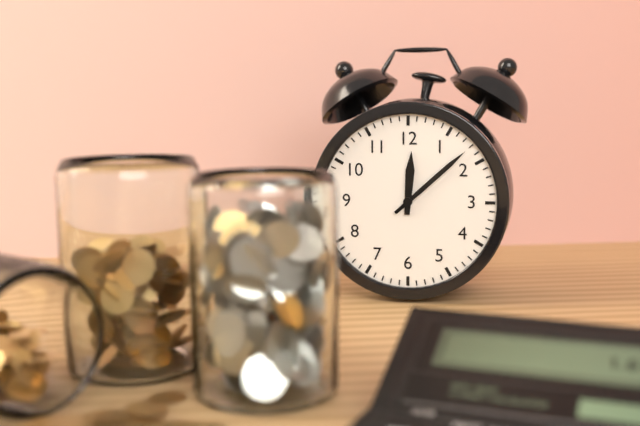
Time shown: 12:08
